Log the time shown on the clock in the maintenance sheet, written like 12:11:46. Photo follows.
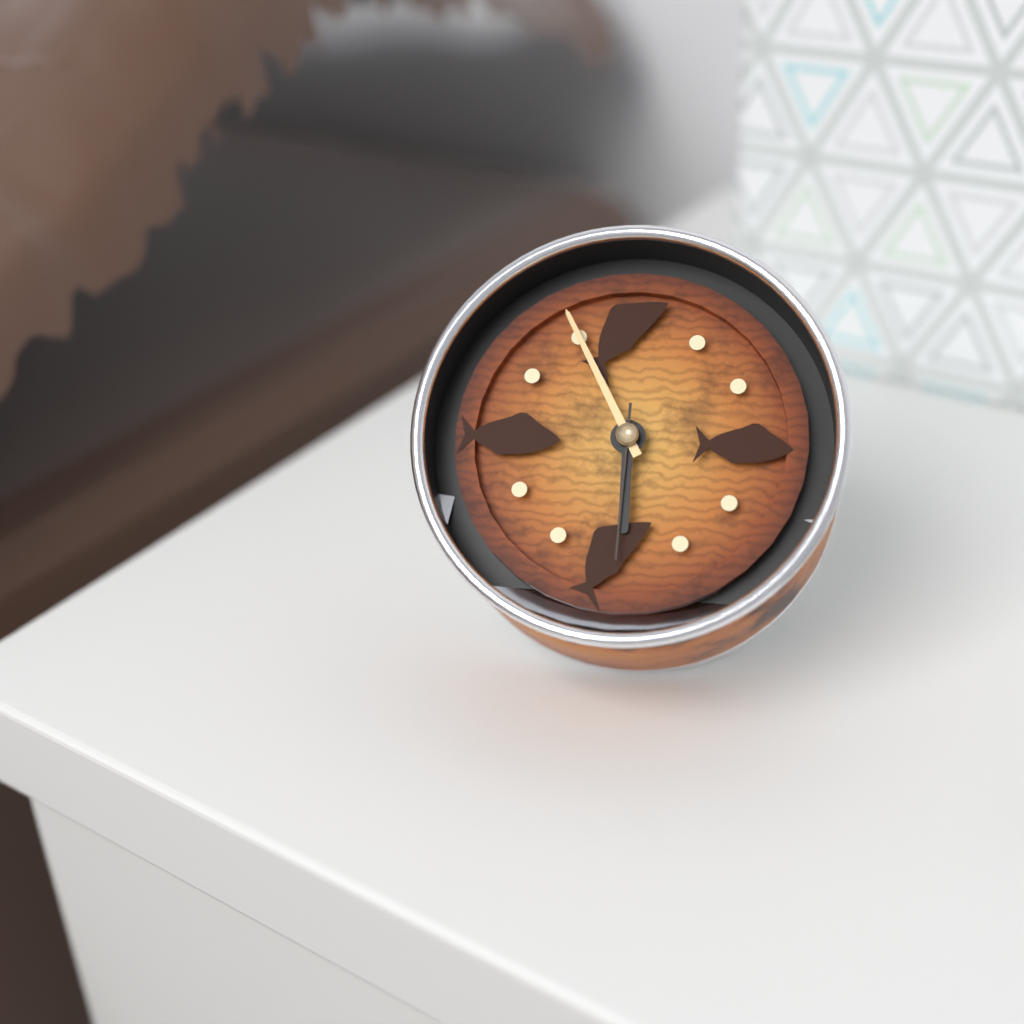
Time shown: 5:55:30
